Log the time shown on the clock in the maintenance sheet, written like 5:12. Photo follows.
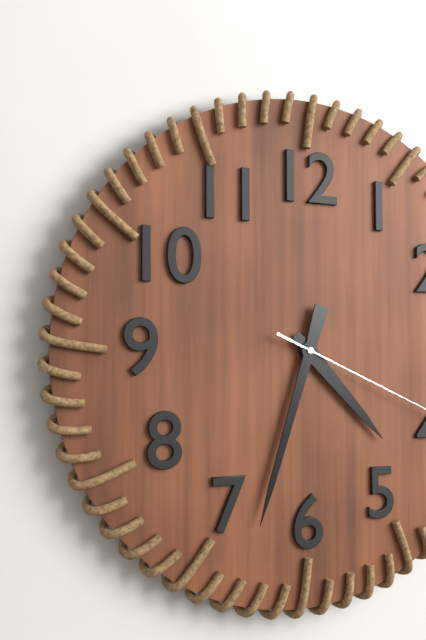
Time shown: 4:33
